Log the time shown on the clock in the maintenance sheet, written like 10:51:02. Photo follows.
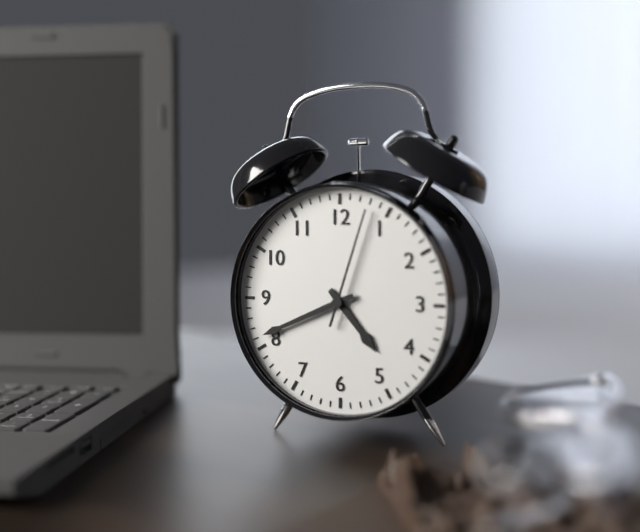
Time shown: 4:41:03
